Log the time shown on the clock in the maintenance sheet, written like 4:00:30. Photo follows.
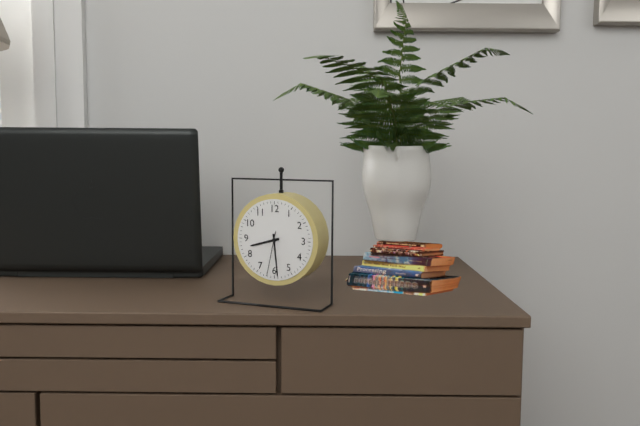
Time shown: 8:29:32
